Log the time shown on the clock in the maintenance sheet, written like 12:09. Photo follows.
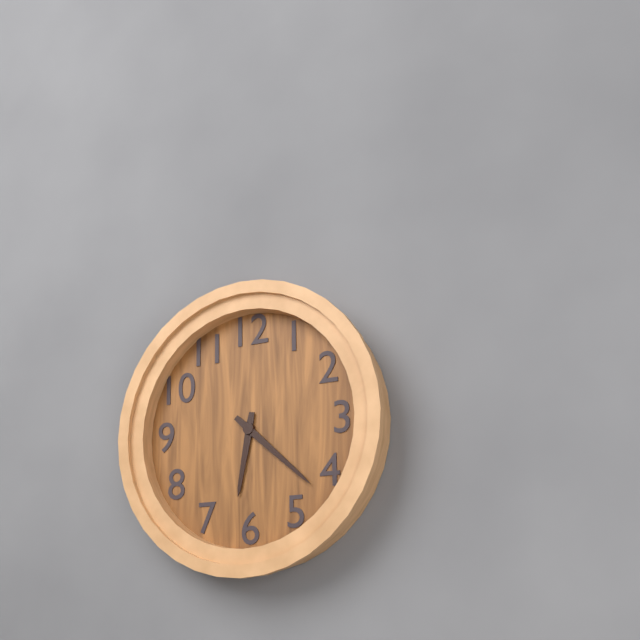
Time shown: 6:22
